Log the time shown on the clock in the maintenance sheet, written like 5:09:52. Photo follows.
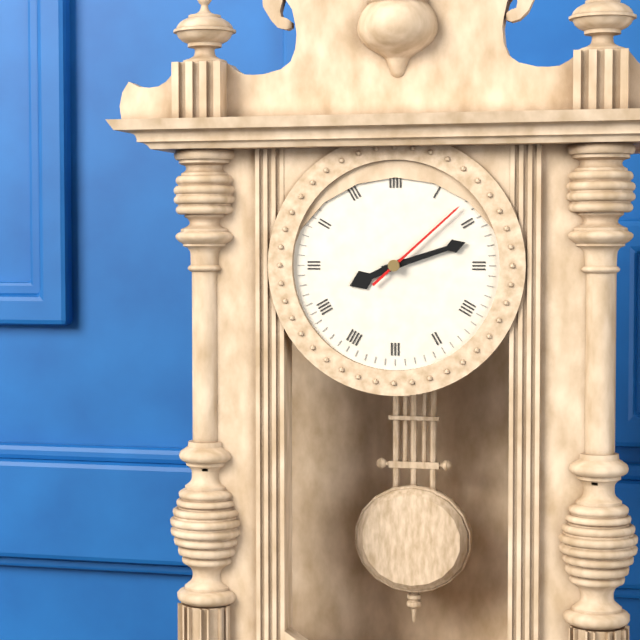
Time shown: 8:12:08
